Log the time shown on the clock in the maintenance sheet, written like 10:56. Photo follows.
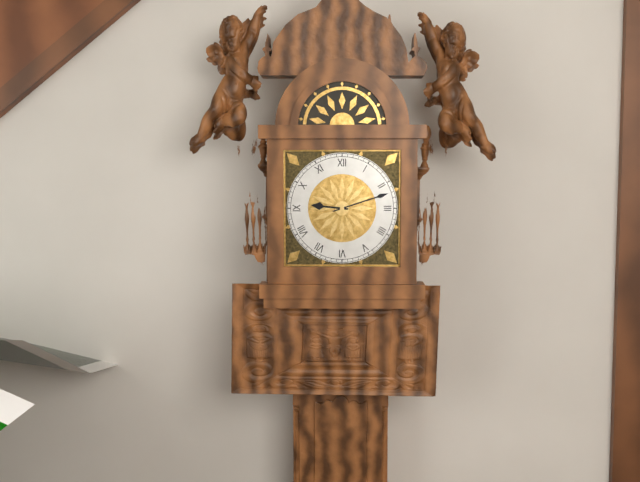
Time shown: 9:12
